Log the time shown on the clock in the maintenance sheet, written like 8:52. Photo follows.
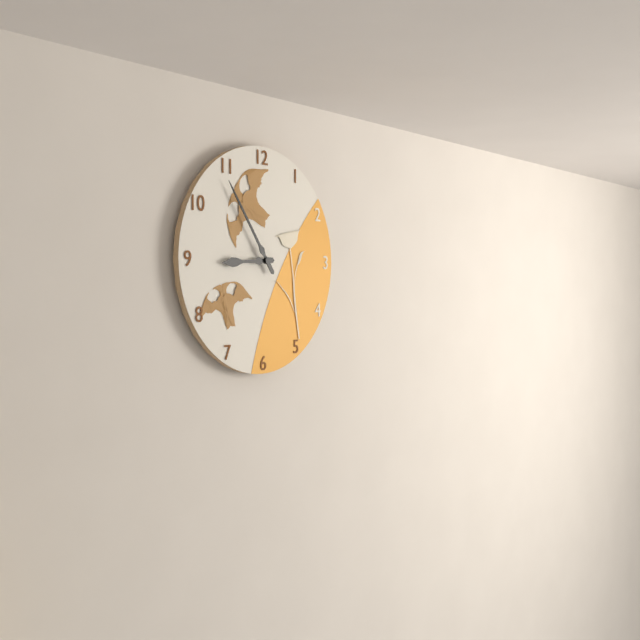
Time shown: 8:54
